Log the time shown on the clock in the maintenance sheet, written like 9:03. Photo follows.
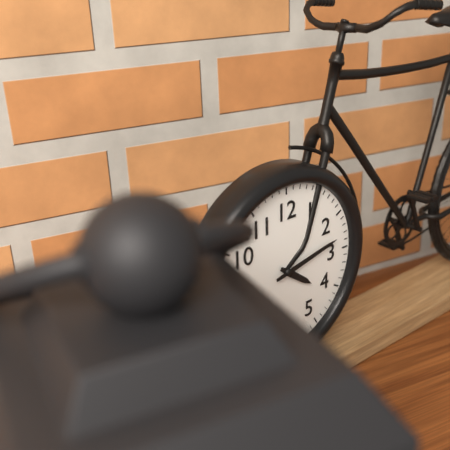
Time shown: 4:13
